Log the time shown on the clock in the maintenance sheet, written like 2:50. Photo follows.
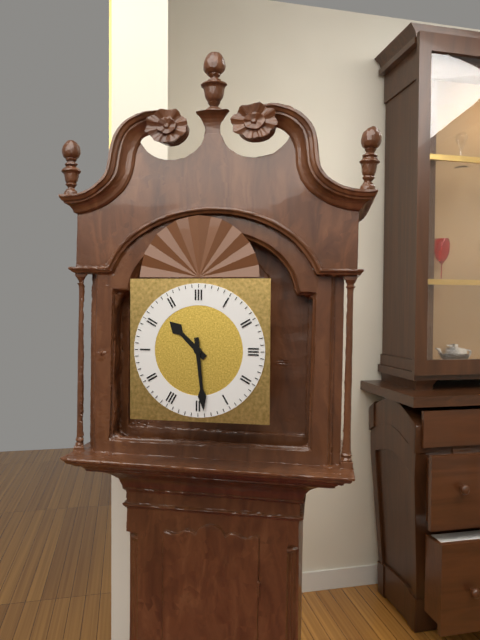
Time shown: 10:29
